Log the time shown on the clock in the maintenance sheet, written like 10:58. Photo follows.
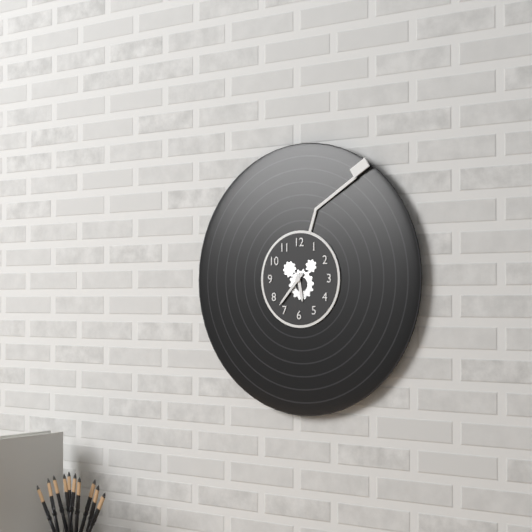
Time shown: 5:37
